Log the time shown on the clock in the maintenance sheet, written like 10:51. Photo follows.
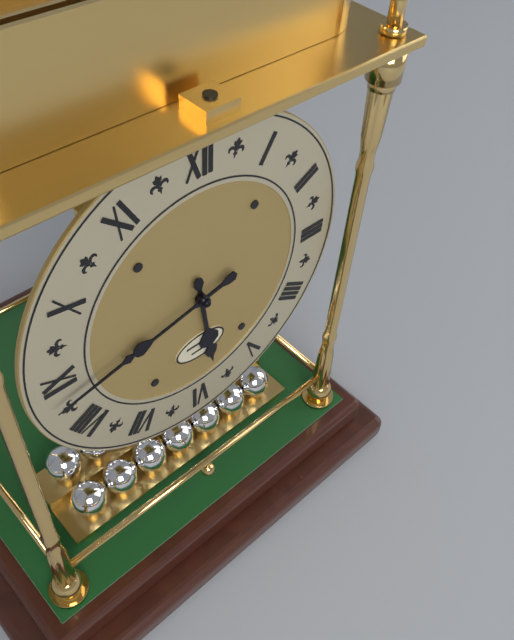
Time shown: 5:43
